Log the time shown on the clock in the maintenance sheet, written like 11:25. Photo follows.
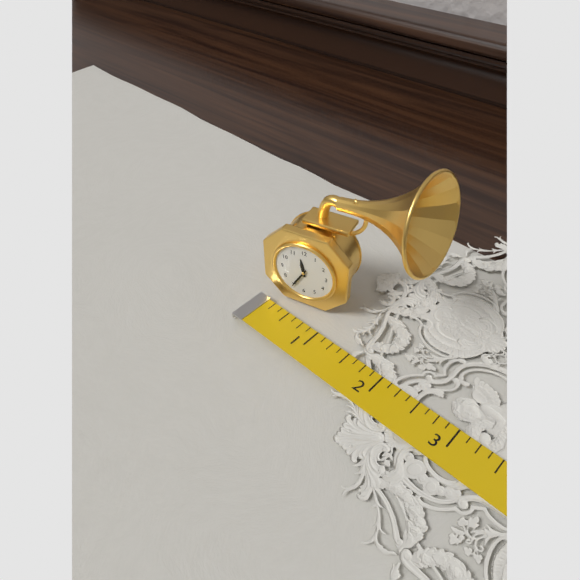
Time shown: 11:35
